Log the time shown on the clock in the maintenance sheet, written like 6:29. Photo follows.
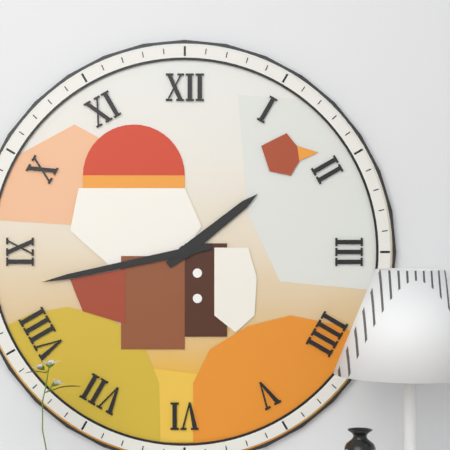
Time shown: 1:43
